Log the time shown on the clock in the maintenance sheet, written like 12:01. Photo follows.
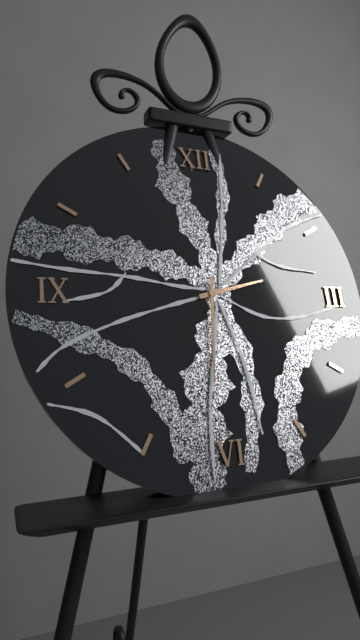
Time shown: 2:31
